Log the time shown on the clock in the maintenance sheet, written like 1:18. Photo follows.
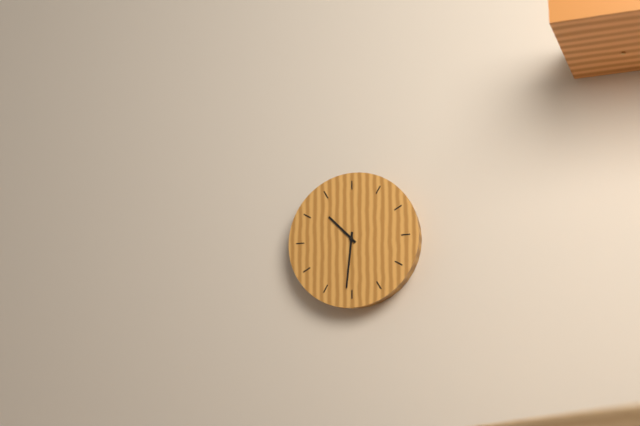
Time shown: 10:31
